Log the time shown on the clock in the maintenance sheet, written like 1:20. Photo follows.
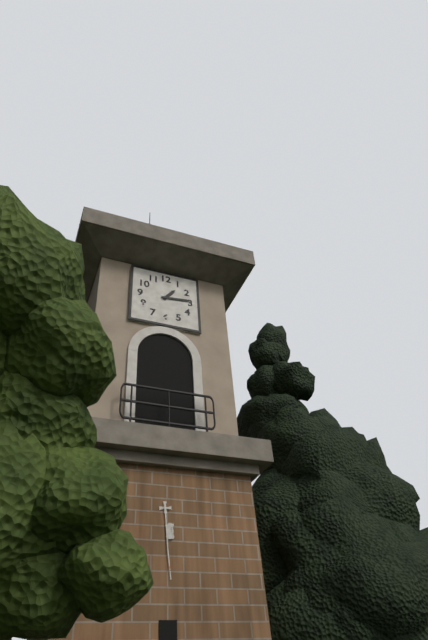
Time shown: 1:14
